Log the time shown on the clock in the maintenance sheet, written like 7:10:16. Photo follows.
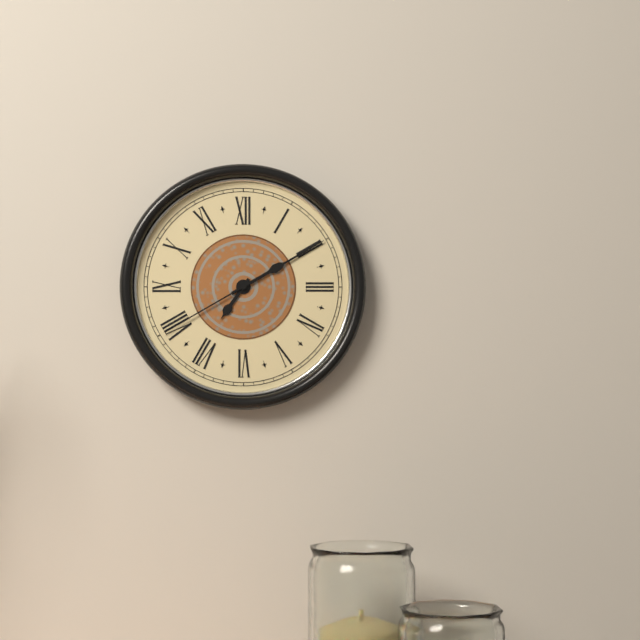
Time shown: 7:10:40
